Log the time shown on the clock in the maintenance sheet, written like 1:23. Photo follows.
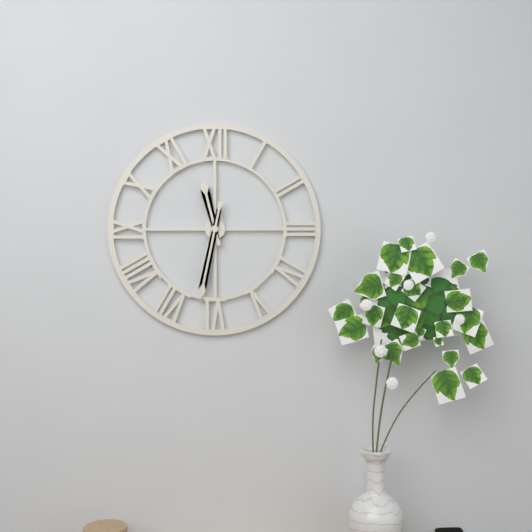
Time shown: 11:32
